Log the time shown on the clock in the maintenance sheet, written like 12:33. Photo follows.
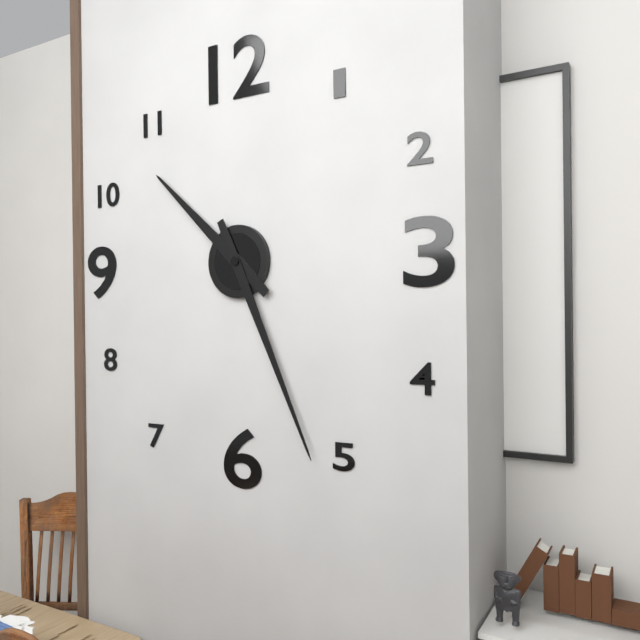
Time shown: 10:26
